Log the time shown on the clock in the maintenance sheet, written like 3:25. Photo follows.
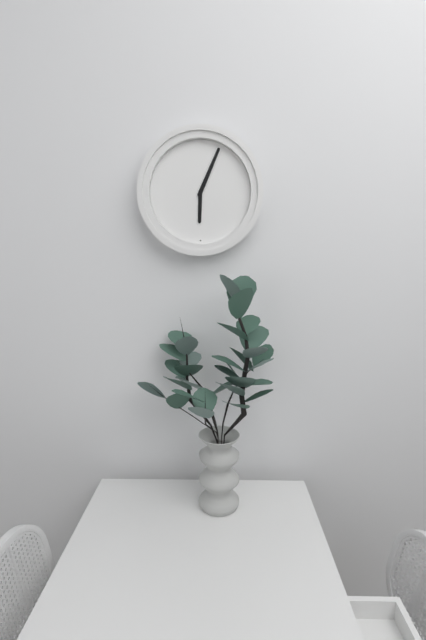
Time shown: 6:04
